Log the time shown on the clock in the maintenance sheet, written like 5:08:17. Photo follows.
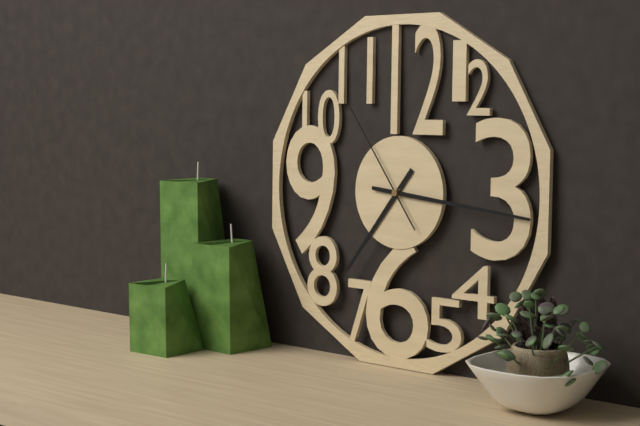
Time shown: 7:16:54
